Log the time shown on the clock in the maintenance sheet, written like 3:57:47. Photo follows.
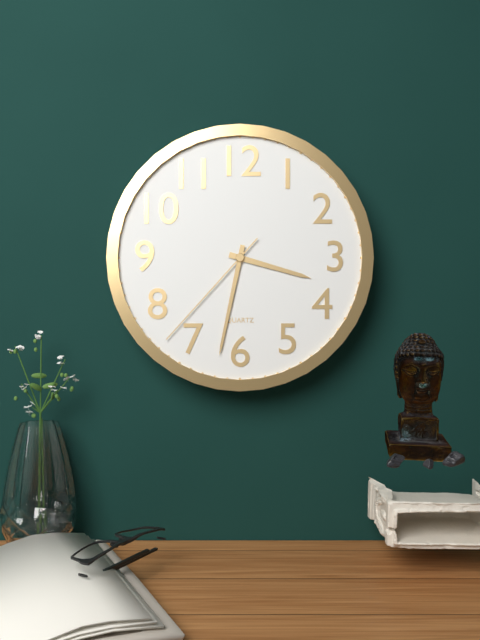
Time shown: 3:32:37
